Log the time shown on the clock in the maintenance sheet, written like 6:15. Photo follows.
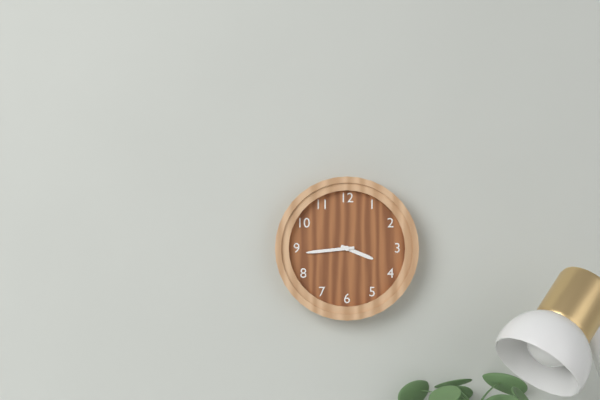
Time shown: 3:44
